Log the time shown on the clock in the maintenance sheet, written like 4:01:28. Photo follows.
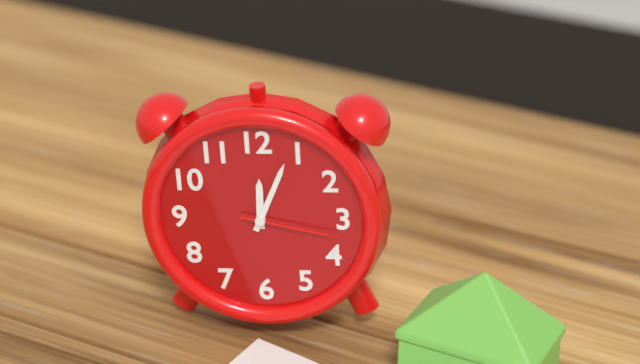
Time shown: 12:04:17
